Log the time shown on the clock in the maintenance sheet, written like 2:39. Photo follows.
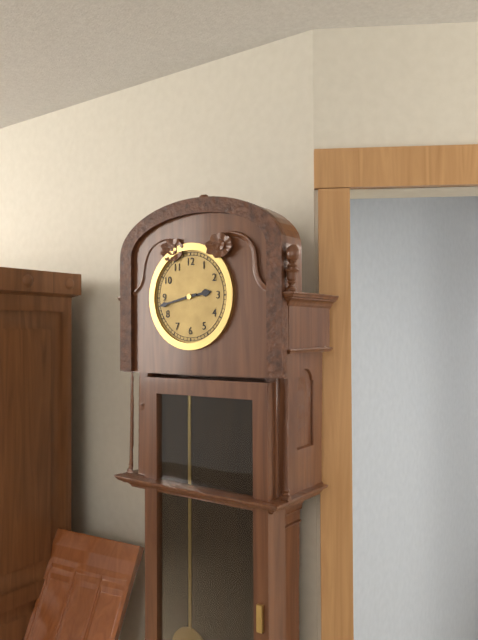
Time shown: 2:43
